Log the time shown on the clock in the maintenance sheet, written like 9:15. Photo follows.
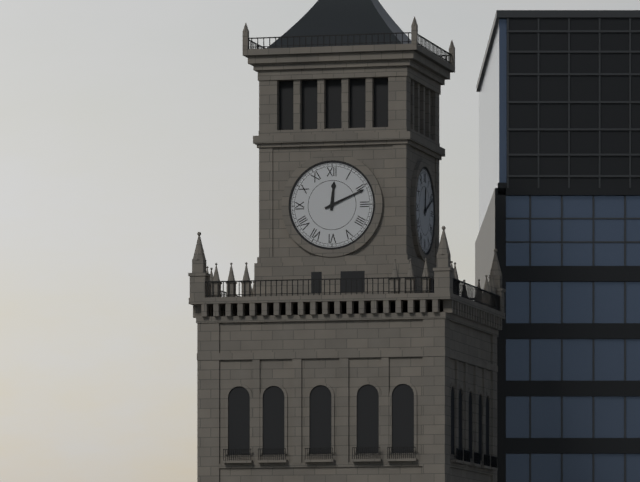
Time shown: 12:11
